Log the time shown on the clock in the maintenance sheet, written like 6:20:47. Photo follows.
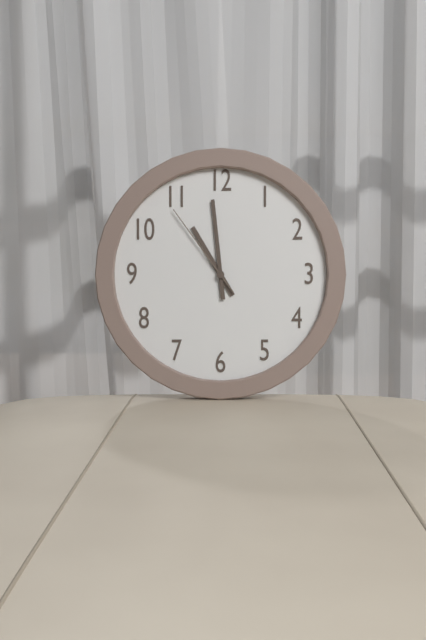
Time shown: 10:59:54
